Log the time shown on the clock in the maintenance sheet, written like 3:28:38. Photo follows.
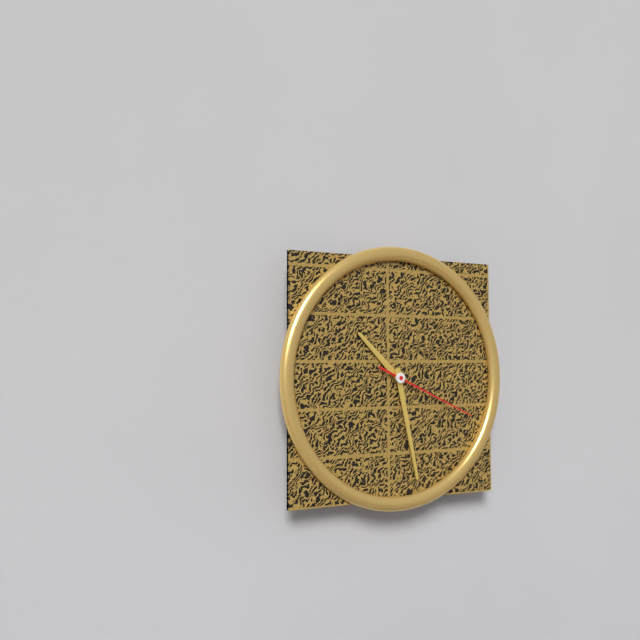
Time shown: 10:28:19
